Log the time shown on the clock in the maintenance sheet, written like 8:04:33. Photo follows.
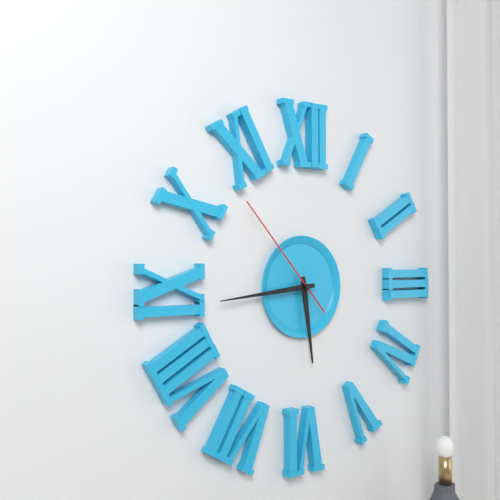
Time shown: 5:44:53
